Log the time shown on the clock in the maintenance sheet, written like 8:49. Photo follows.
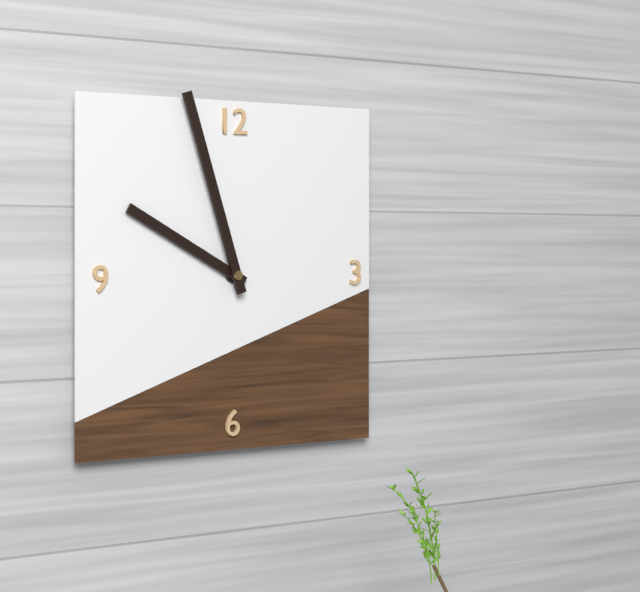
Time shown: 9:57
